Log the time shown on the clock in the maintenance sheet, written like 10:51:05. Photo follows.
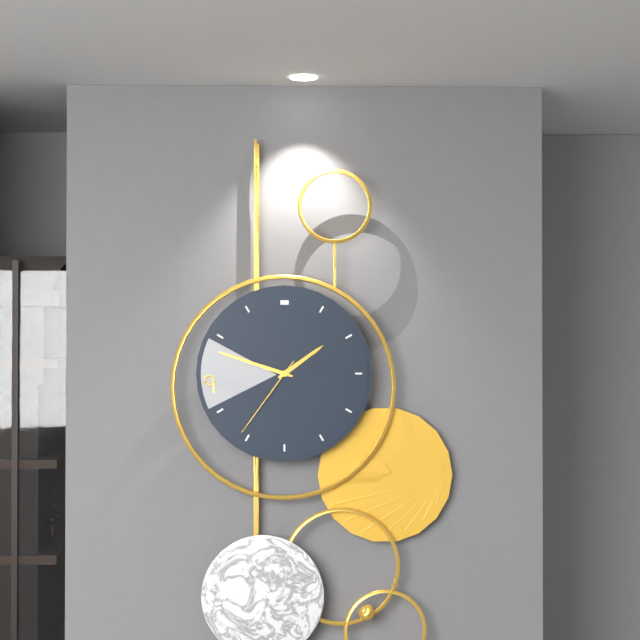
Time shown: 1:48:36
